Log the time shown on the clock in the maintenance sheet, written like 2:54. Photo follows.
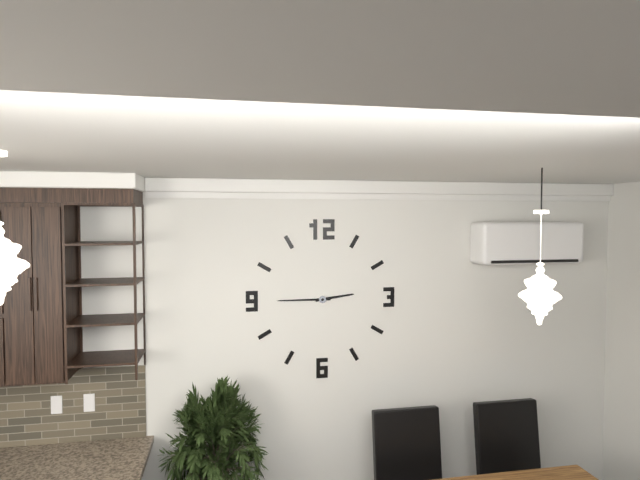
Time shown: 2:45
